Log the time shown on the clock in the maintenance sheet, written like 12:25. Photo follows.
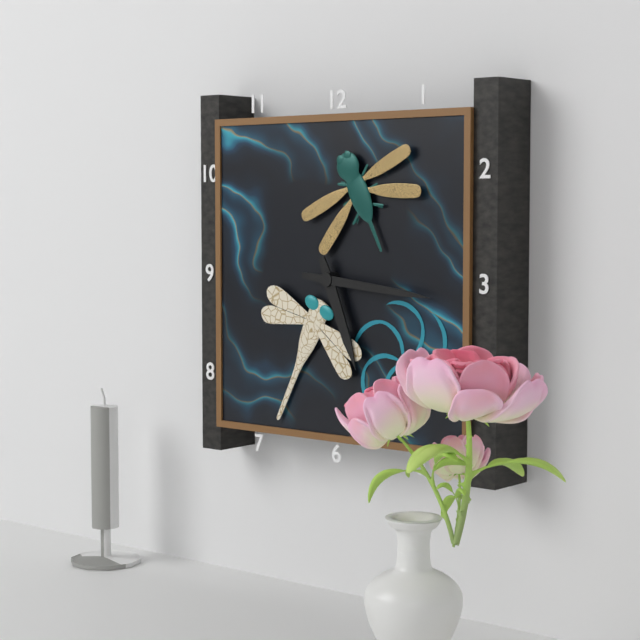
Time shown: 5:16
